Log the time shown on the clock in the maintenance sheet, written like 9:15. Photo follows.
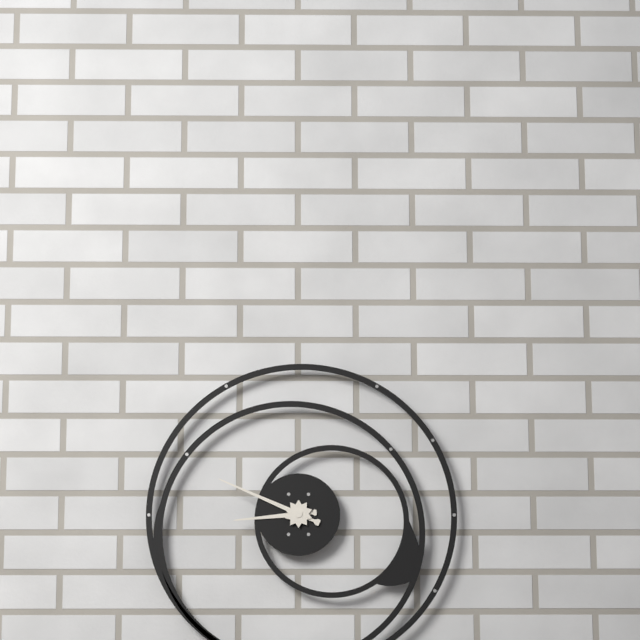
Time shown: 8:49
